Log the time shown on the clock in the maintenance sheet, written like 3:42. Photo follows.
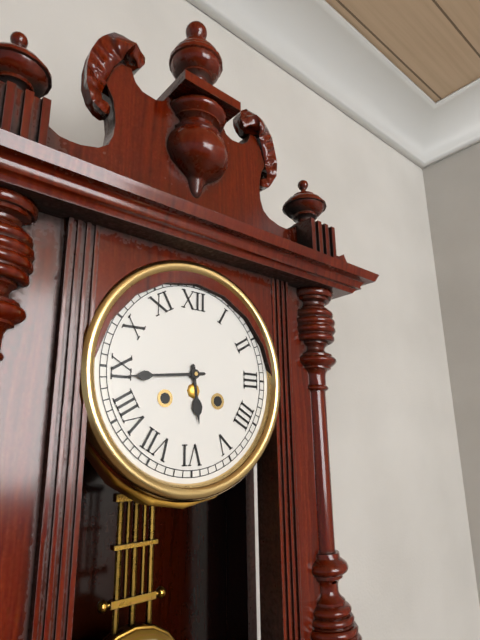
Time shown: 5:44
